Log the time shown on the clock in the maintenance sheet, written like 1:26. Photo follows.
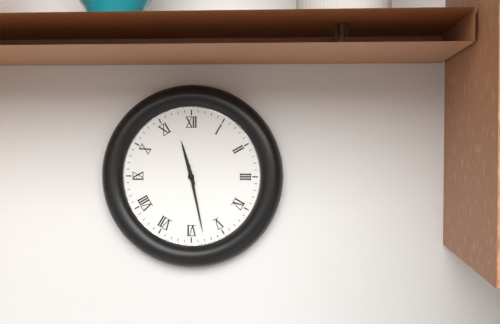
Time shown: 11:28
